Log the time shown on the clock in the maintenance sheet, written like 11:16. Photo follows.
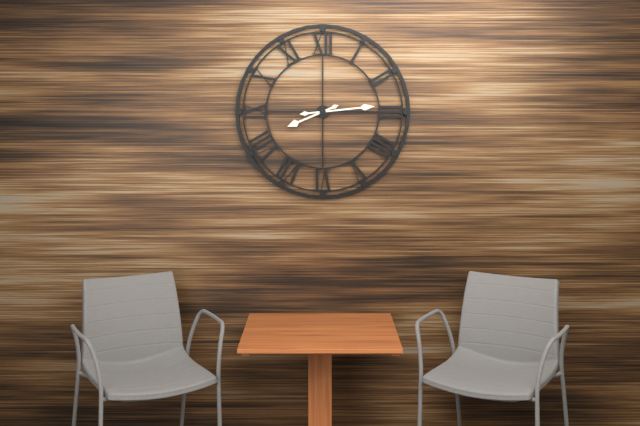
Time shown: 8:14
